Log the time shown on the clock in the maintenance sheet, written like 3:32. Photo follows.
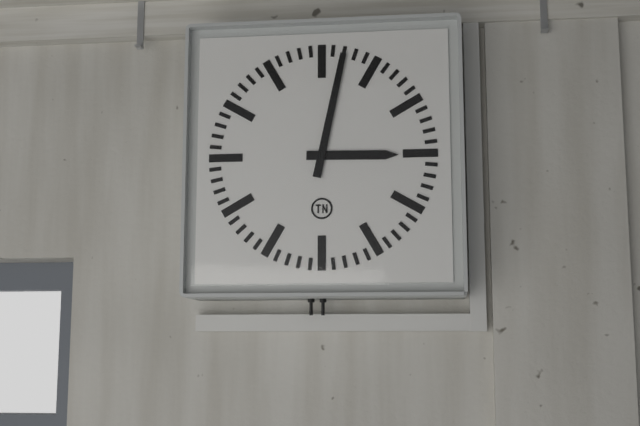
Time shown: 3:02
